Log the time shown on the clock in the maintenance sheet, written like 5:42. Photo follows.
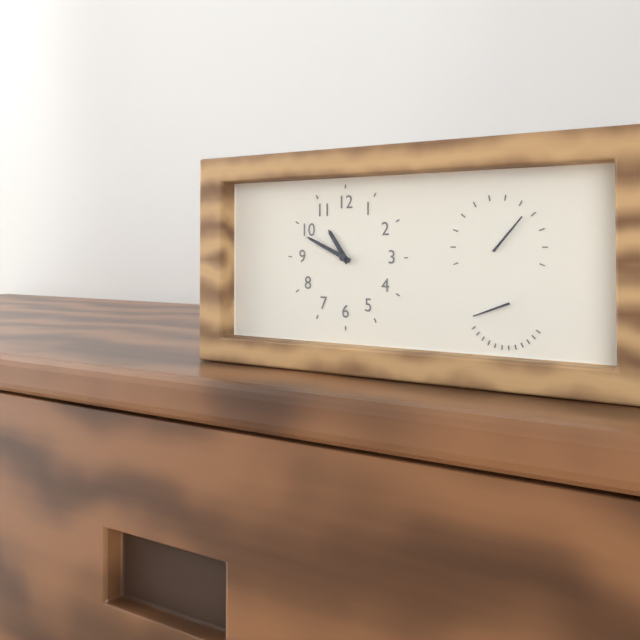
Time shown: 10:49
